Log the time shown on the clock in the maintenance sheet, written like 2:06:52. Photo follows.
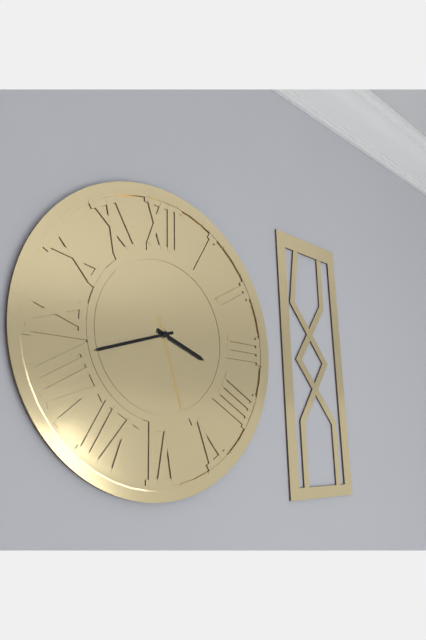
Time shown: 3:42:27
